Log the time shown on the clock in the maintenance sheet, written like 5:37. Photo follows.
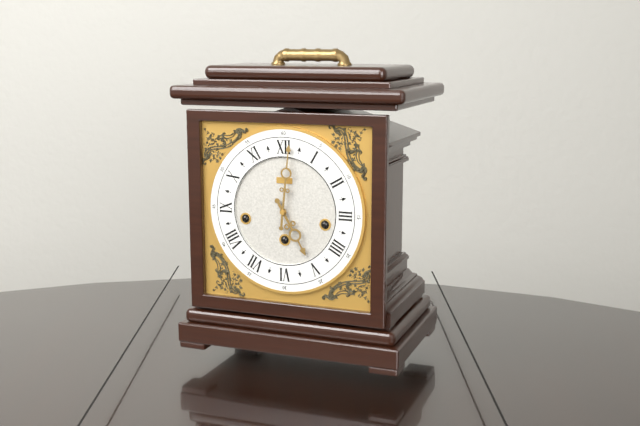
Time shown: 5:01
